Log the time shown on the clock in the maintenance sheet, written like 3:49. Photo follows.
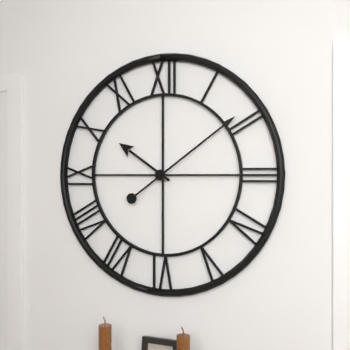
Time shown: 10:09
